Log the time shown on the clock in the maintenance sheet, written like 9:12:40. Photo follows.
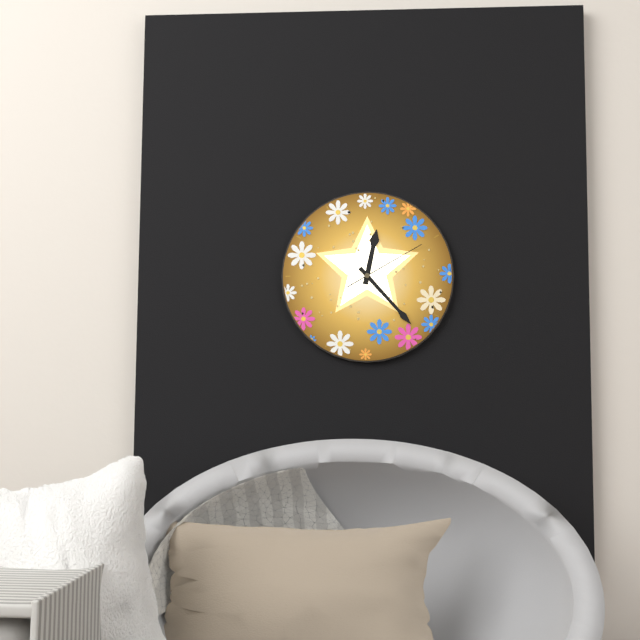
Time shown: 12:23:10
